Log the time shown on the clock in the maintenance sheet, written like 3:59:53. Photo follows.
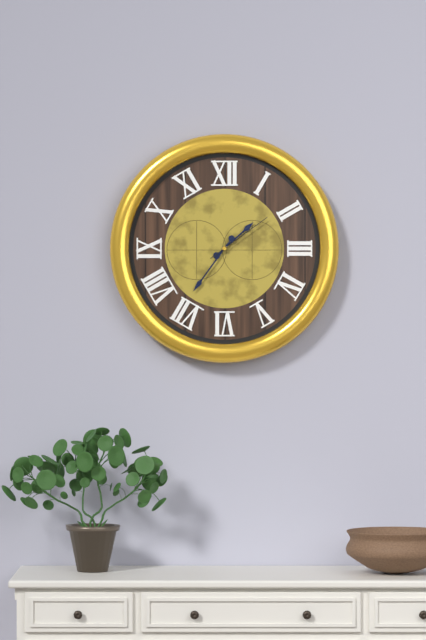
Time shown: 1:36:09
